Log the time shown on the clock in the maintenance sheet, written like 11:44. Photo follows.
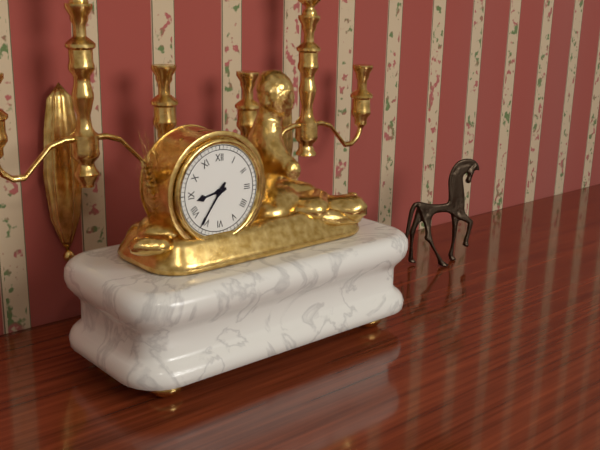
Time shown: 8:36
